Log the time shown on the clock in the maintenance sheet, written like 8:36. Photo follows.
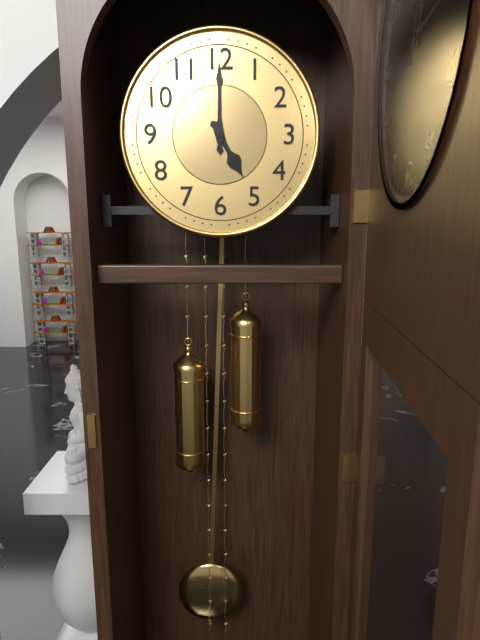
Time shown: 5:00
